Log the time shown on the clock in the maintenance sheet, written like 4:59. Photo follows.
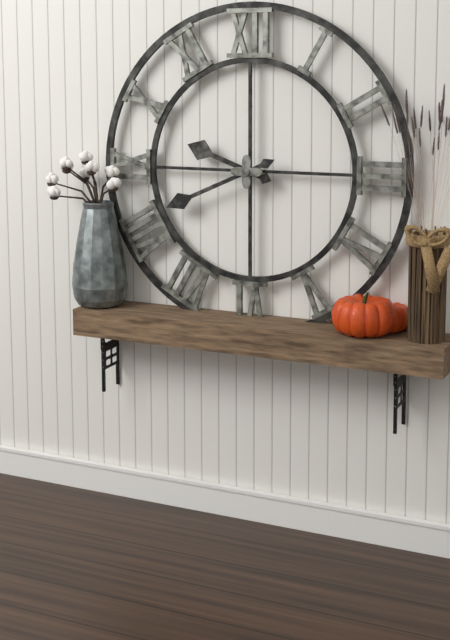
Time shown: 9:41
